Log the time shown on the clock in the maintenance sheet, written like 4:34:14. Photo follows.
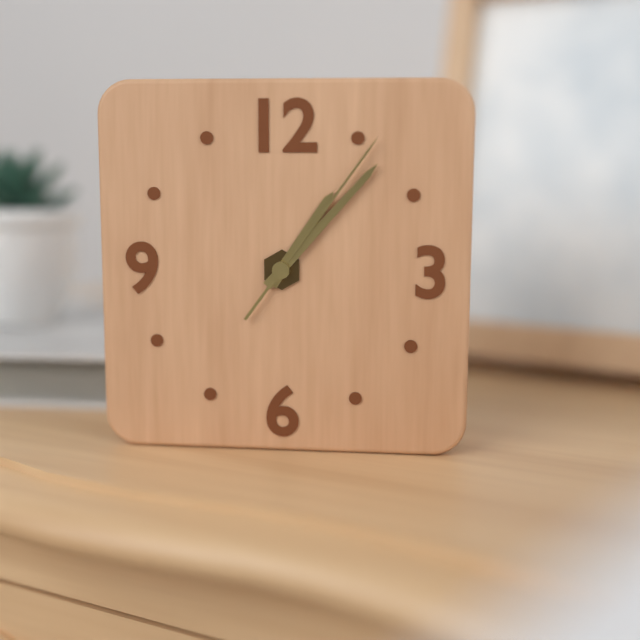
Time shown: 1:07:06
